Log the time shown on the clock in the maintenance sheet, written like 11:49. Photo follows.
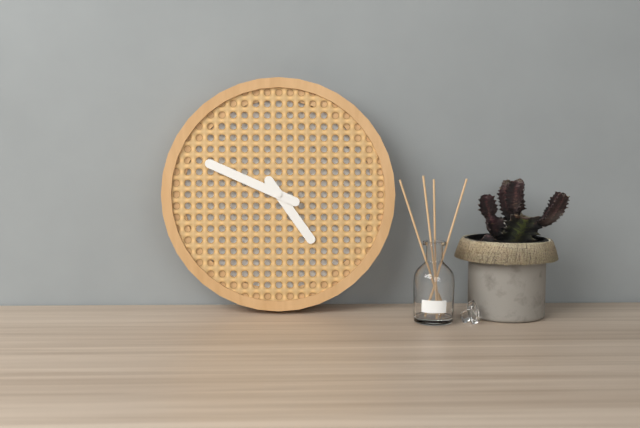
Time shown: 4:49
